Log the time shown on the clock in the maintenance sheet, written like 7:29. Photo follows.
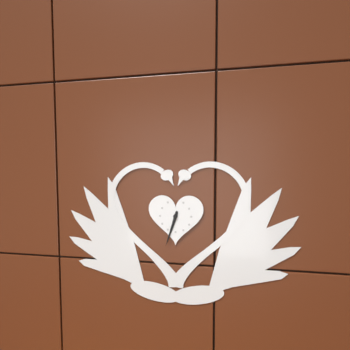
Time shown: 6:33
